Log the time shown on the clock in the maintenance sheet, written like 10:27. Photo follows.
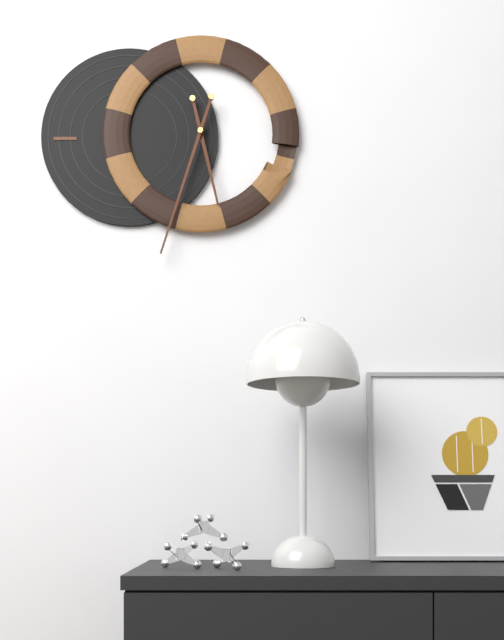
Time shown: 5:33
